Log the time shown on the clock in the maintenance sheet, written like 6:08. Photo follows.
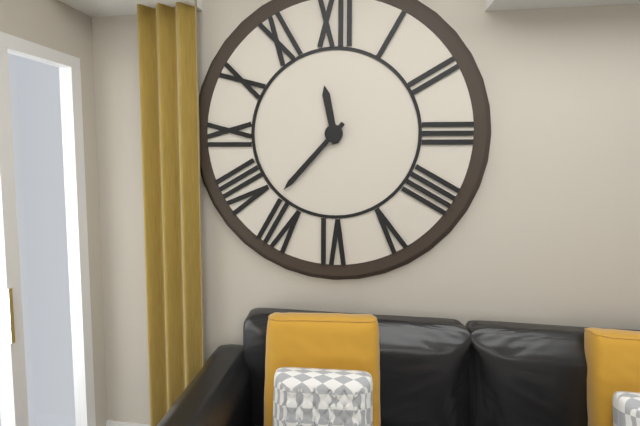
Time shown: 11:37
